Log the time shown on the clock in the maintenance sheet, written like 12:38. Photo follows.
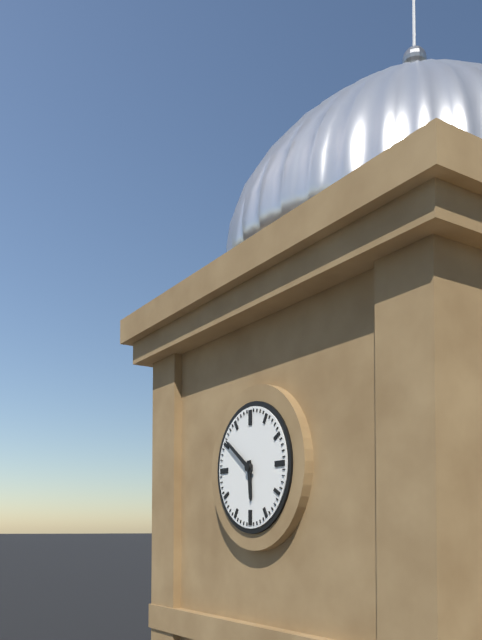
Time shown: 5:51
